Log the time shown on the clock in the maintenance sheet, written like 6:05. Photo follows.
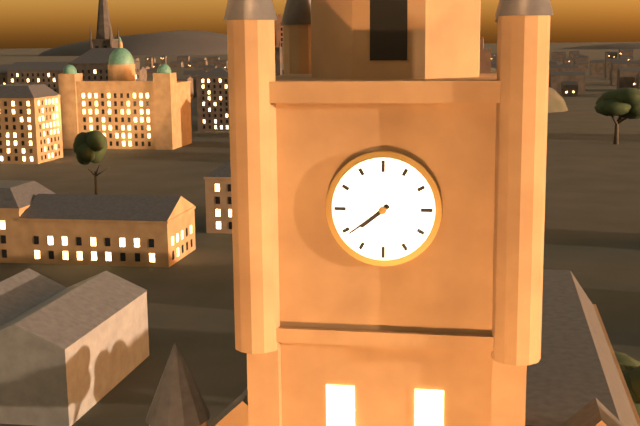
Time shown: 7:39
